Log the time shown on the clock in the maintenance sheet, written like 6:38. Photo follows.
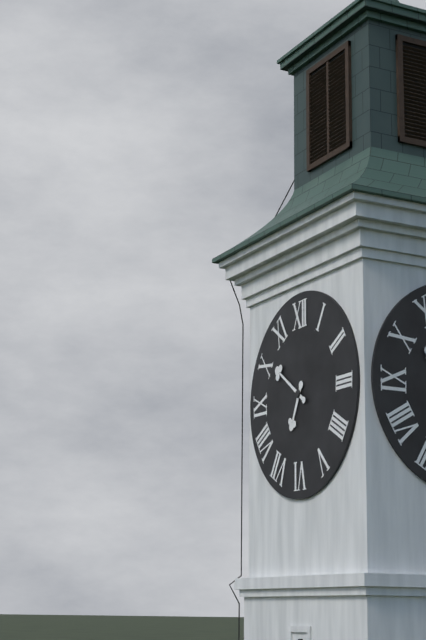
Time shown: 6:51
